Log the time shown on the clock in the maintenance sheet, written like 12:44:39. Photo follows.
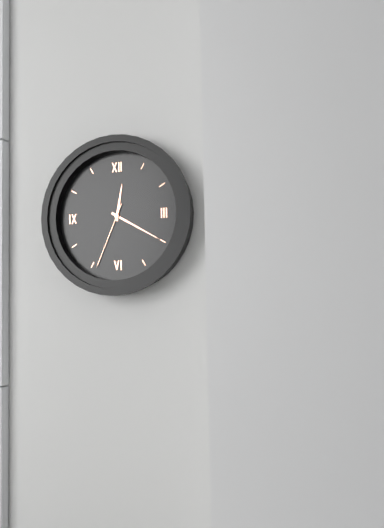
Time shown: 12:20:34
